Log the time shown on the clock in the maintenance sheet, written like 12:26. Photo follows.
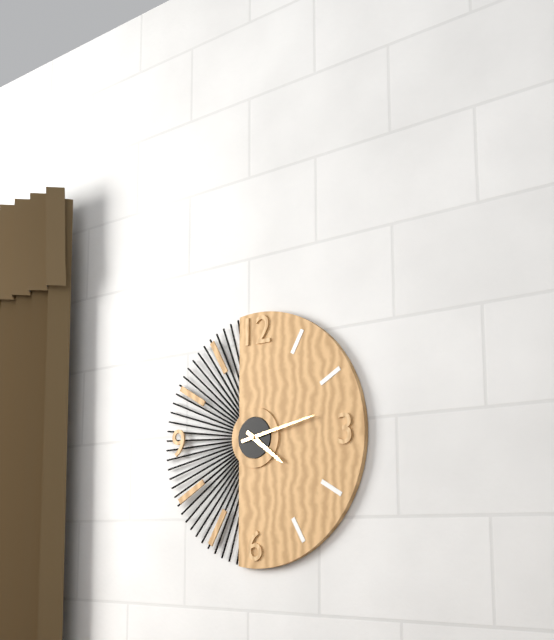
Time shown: 4:13
